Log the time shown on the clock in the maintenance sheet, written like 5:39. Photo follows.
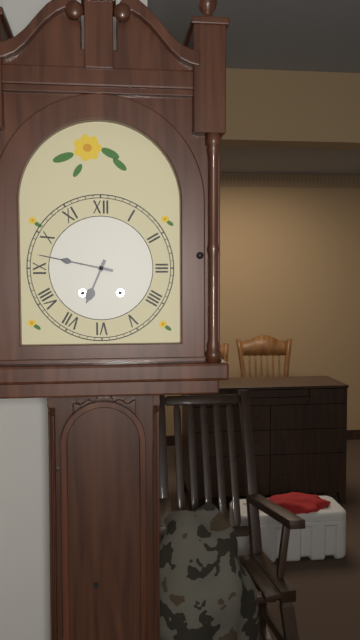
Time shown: 6:47
